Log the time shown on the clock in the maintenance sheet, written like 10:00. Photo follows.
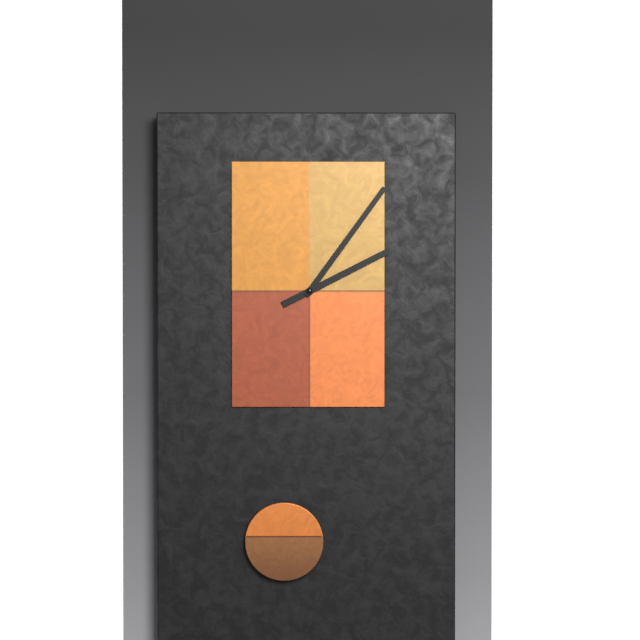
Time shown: 2:06
